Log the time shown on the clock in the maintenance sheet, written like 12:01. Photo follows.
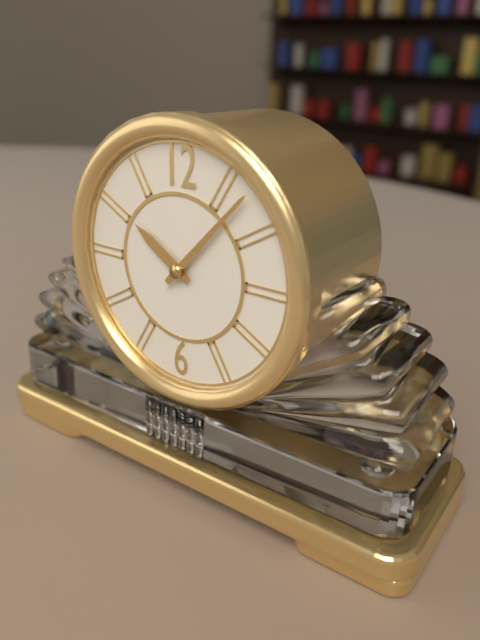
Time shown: 10:07
